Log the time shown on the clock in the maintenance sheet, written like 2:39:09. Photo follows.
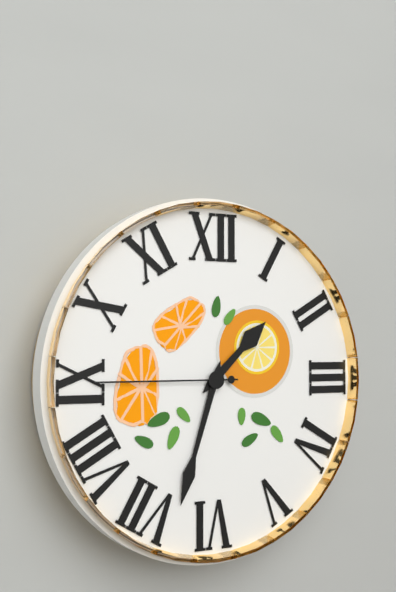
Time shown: 1:33:45
